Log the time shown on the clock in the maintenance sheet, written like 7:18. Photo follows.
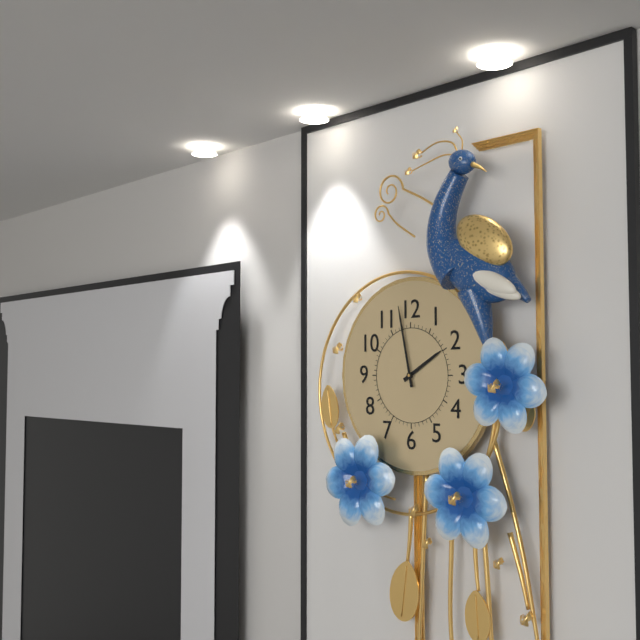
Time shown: 1:58
